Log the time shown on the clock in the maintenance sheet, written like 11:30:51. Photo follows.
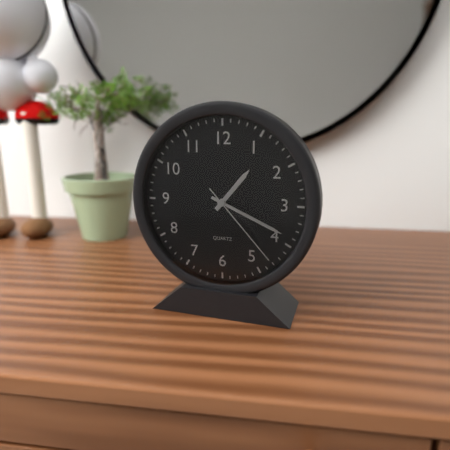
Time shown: 1:19:23
